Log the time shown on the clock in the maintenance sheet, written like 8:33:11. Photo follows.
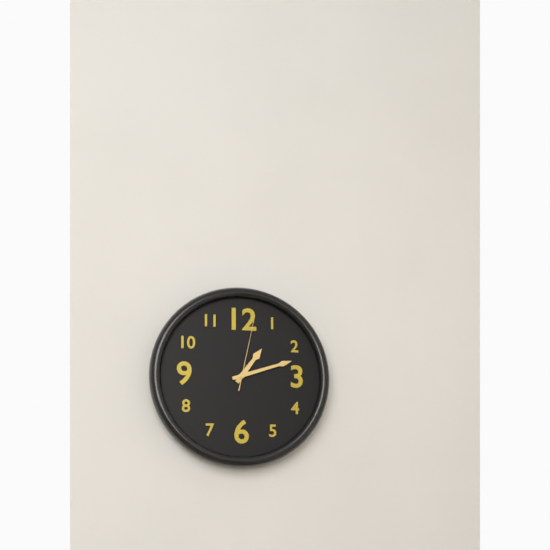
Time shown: 1:12:02
